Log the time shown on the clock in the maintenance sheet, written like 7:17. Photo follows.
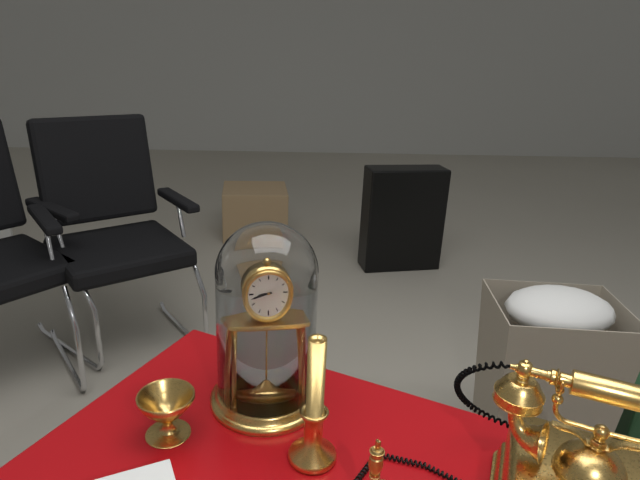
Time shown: 8:43
